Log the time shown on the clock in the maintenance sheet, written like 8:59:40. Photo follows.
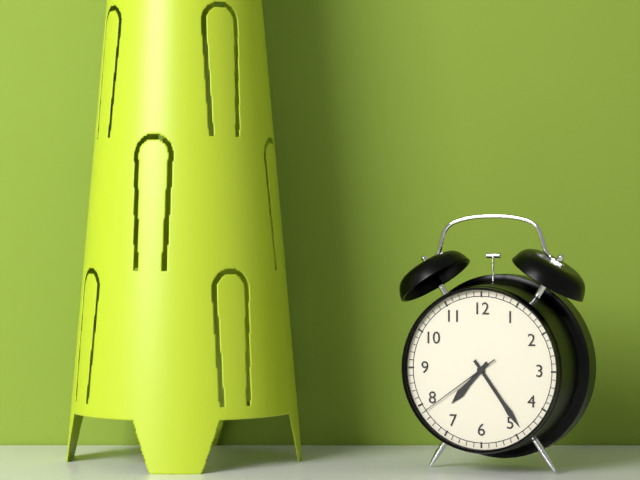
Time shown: 7:24:39
